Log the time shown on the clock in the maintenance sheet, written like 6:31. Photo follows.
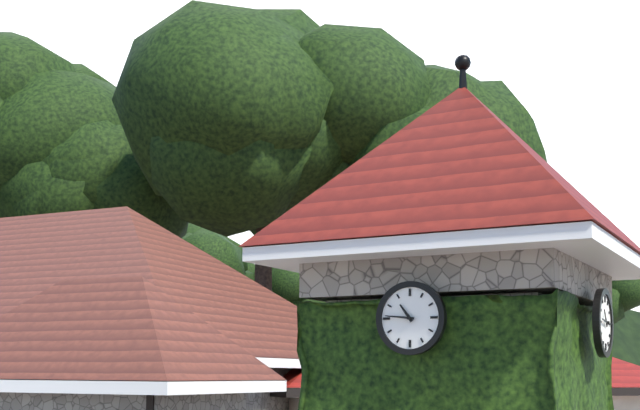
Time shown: 10:46
